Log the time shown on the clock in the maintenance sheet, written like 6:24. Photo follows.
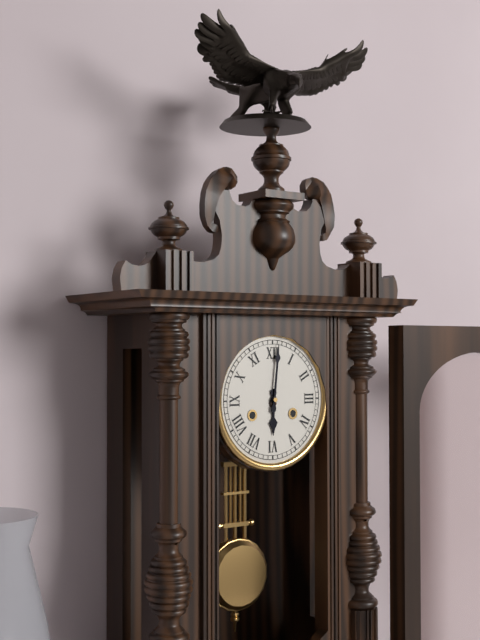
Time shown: 6:01
